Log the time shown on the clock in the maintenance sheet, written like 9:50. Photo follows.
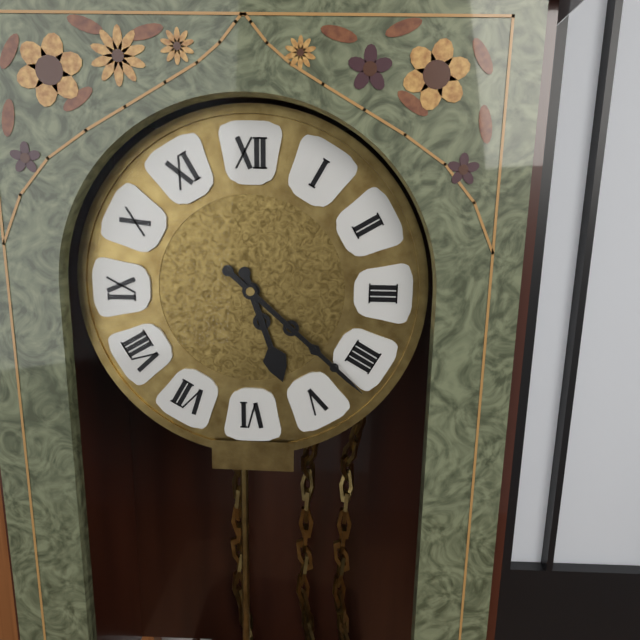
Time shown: 5:22
